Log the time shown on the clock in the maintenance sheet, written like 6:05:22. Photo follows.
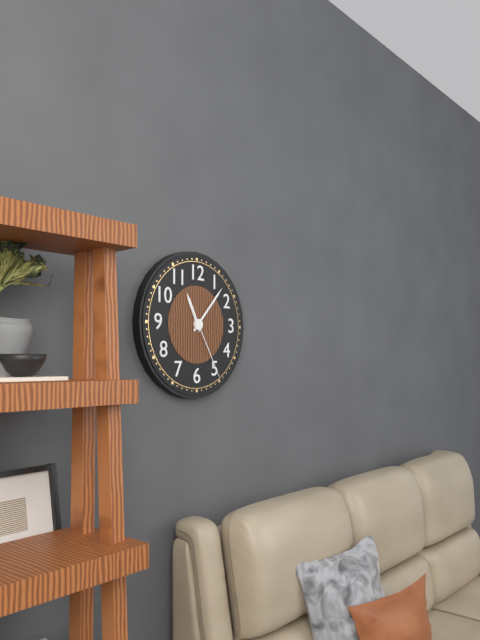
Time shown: 11:07:25
